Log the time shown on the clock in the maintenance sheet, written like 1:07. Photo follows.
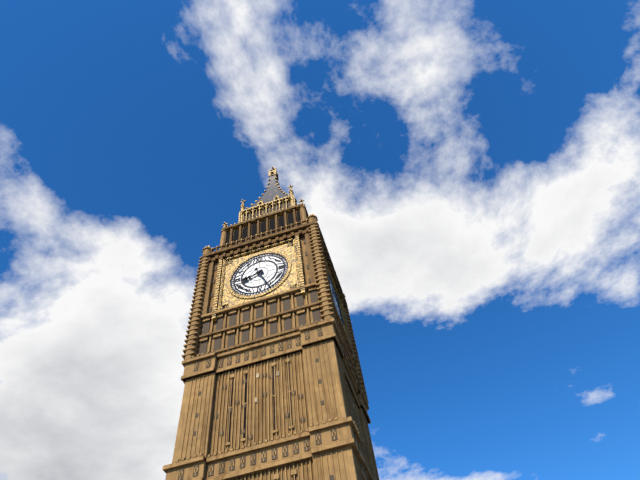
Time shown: 8:26
